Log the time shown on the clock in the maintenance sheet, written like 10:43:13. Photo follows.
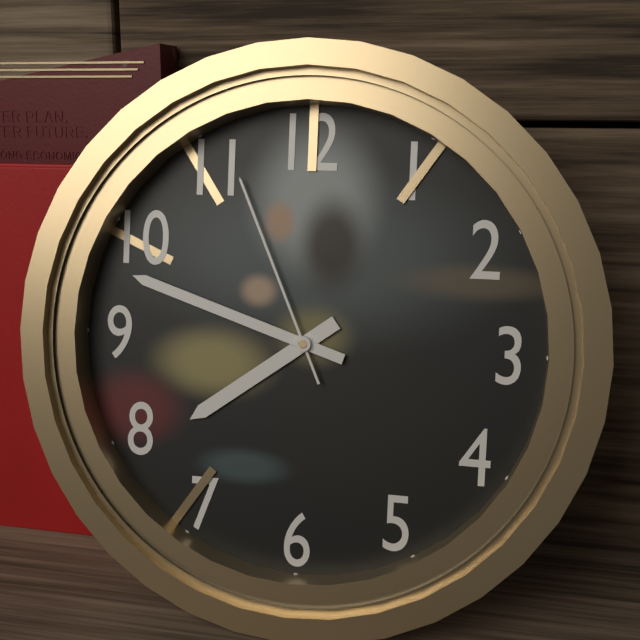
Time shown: 7:48:56
